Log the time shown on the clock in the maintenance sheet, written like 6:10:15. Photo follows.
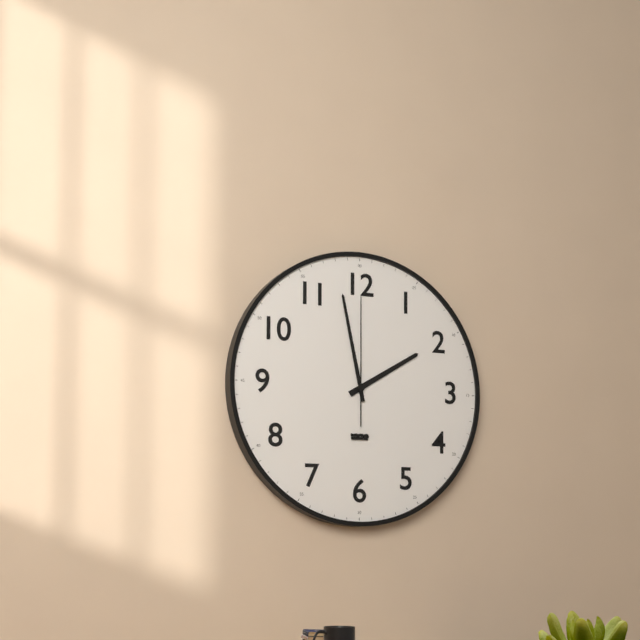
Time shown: 1:58:00
